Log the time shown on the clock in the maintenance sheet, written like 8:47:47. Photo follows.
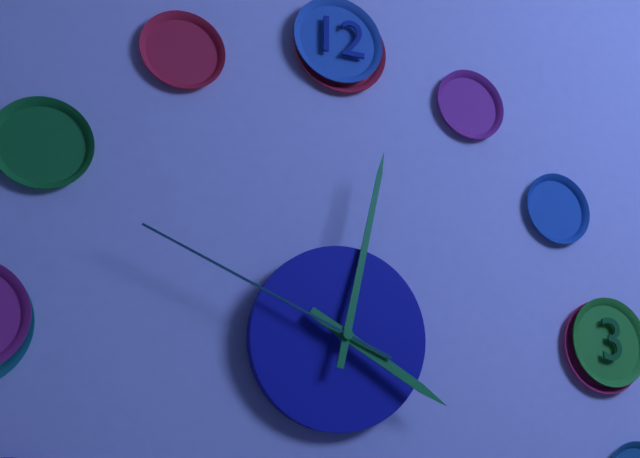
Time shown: 4:02:49
